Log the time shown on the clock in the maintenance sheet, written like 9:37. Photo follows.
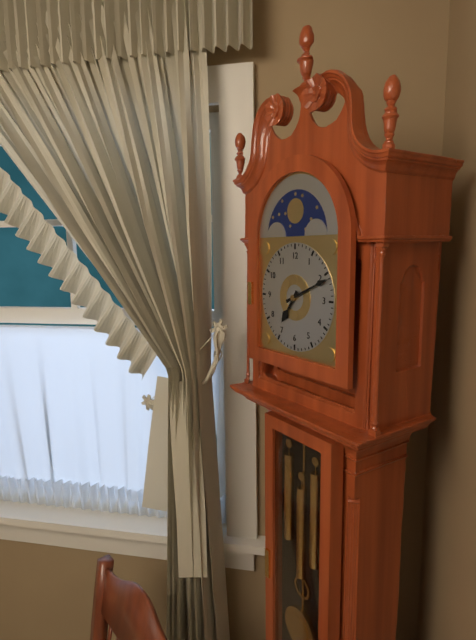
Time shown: 7:11
